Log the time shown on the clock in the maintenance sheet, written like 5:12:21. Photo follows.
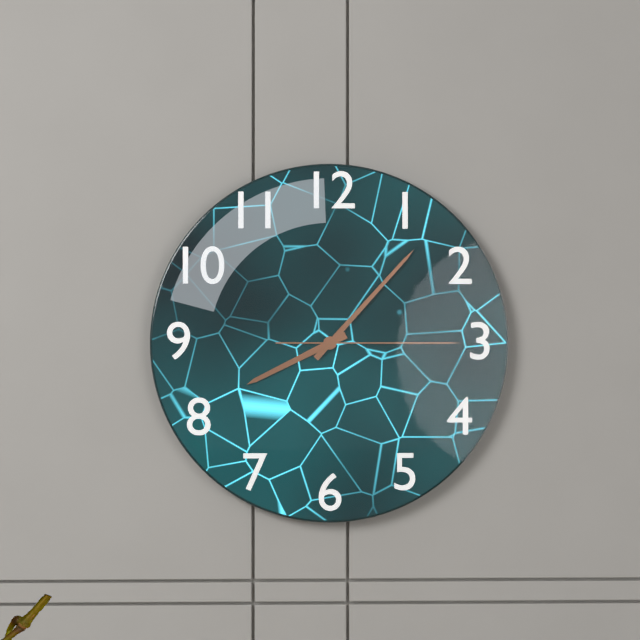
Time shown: 8:07:15
